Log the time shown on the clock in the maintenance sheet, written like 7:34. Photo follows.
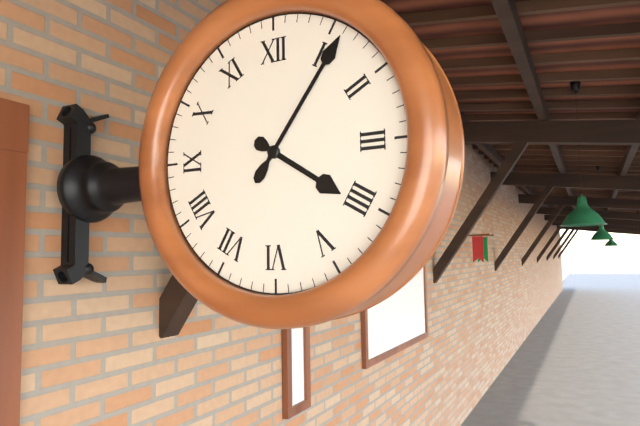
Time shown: 4:06
